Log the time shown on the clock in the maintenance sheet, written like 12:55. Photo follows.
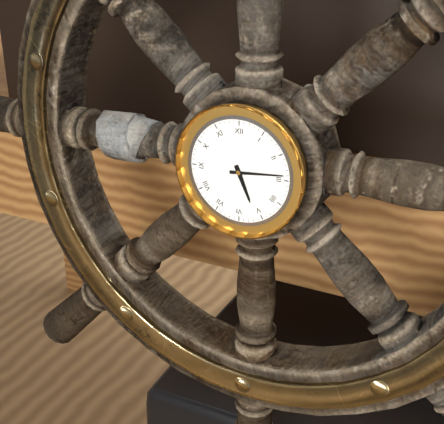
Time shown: 5:14
